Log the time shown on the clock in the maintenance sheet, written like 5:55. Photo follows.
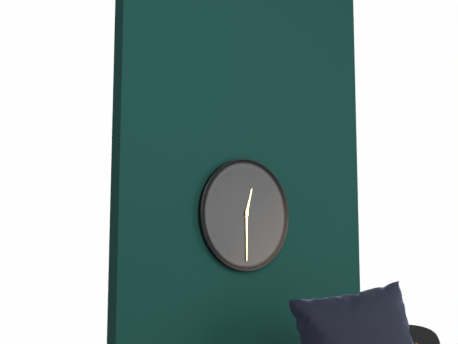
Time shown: 12:30
